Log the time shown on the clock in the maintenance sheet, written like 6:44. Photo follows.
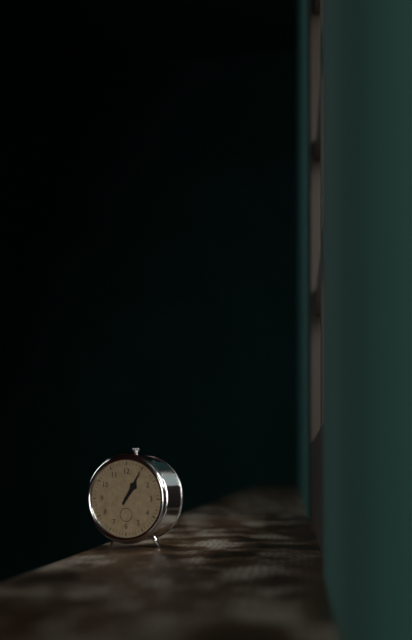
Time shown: 1:05
